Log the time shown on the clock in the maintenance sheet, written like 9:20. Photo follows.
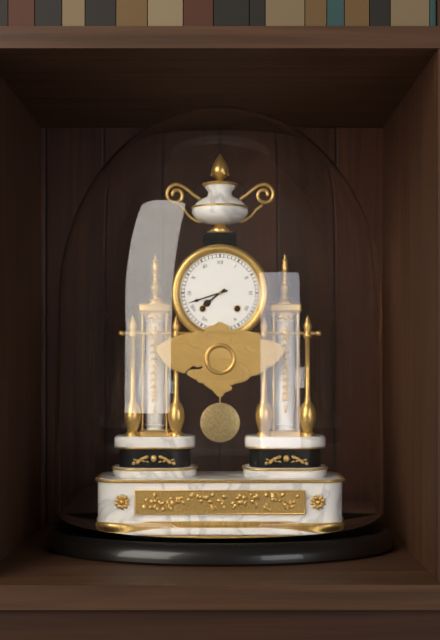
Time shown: 7:42
